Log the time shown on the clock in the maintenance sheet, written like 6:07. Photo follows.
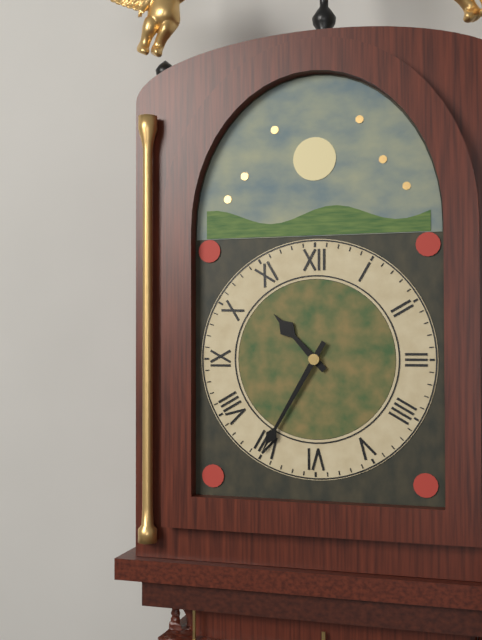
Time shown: 10:35
